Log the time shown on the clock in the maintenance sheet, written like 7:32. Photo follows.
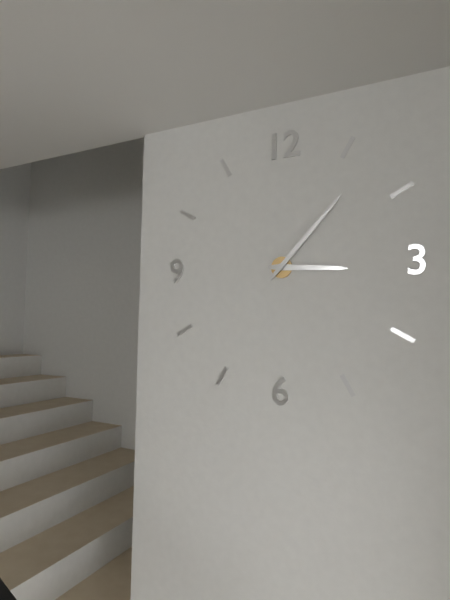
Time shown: 3:07
